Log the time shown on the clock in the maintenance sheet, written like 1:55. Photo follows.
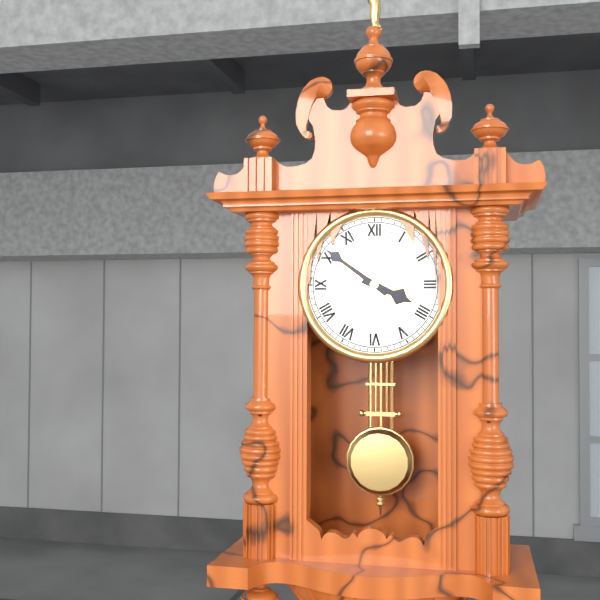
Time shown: 3:51
